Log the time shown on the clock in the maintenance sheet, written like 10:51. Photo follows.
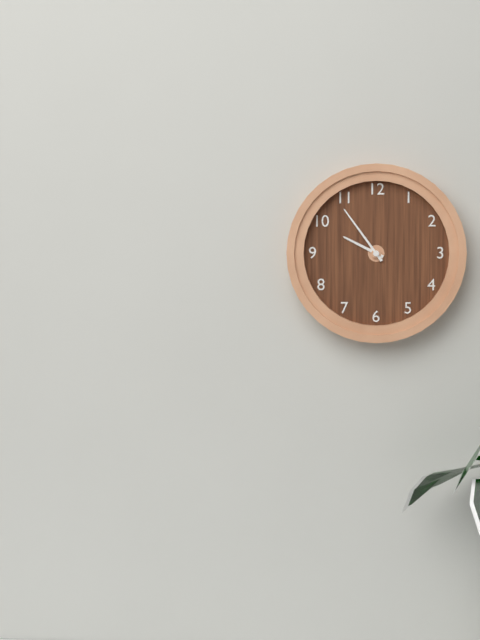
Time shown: 9:54
